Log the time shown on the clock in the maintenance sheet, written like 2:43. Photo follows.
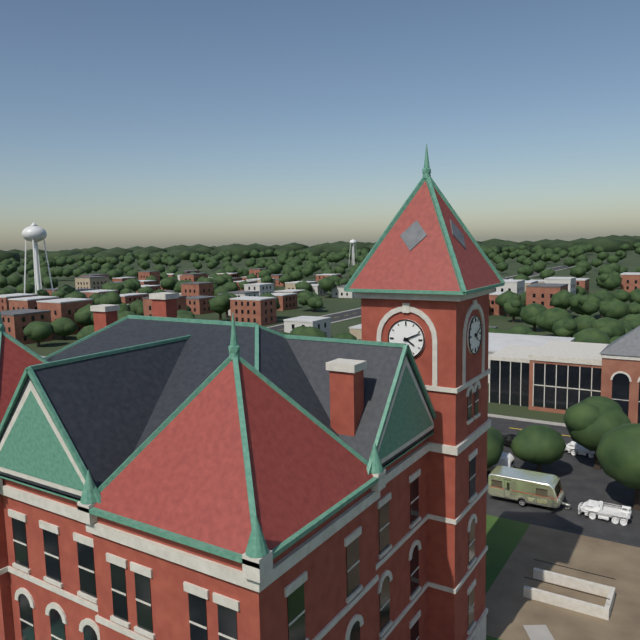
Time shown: 4:11
